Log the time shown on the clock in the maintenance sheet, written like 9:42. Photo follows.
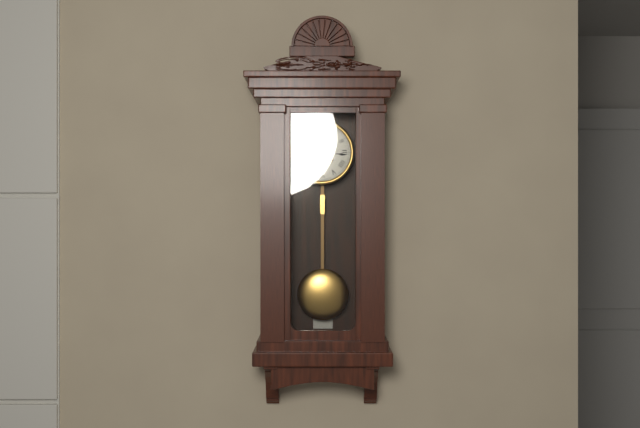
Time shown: 5:16
